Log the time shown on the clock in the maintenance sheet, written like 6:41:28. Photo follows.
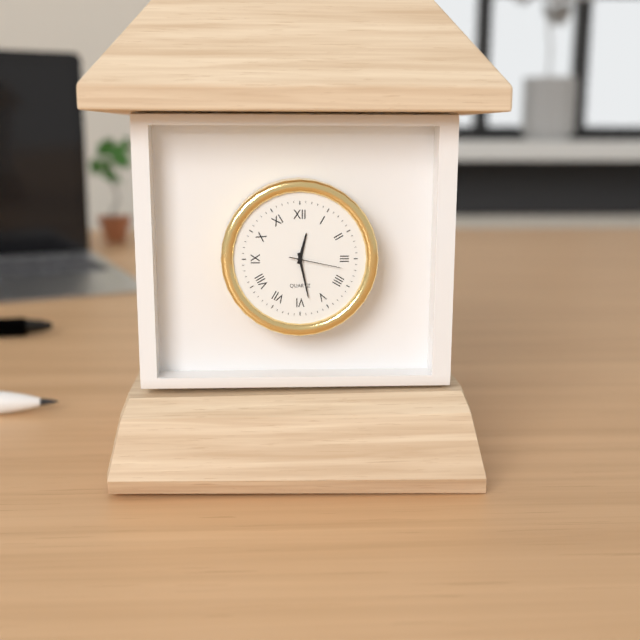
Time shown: 12:28:17
